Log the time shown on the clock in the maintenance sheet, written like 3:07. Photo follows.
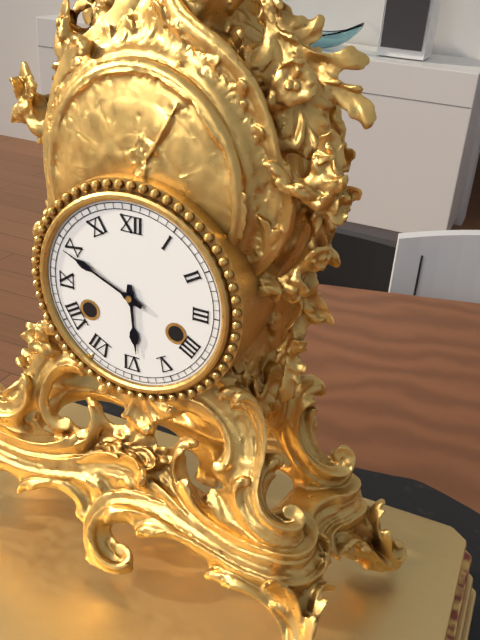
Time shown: 5:49
